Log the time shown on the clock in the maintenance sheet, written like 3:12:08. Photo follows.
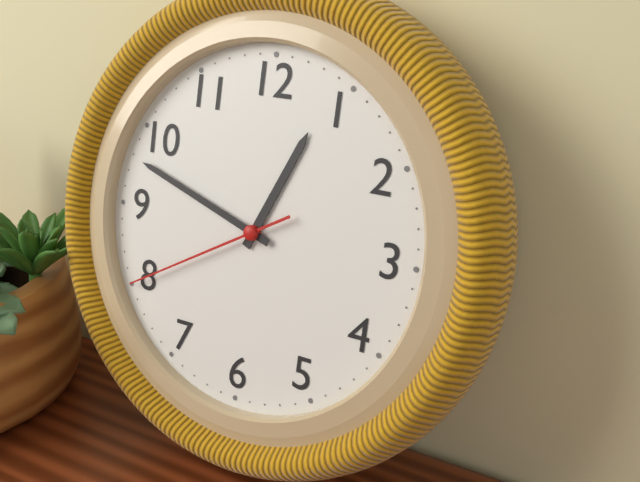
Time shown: 12:48:40
